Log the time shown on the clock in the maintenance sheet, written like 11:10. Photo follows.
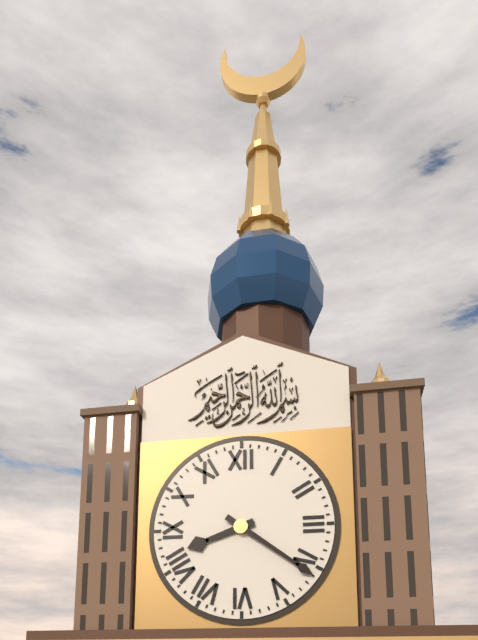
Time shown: 8:21
